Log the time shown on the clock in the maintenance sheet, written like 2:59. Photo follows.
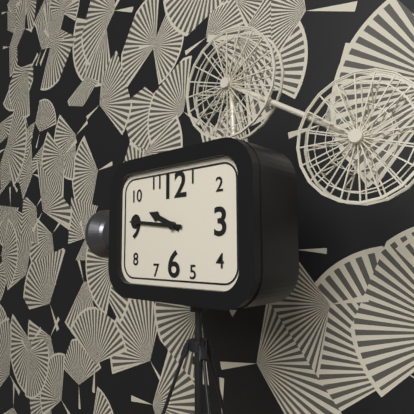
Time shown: 9:46
